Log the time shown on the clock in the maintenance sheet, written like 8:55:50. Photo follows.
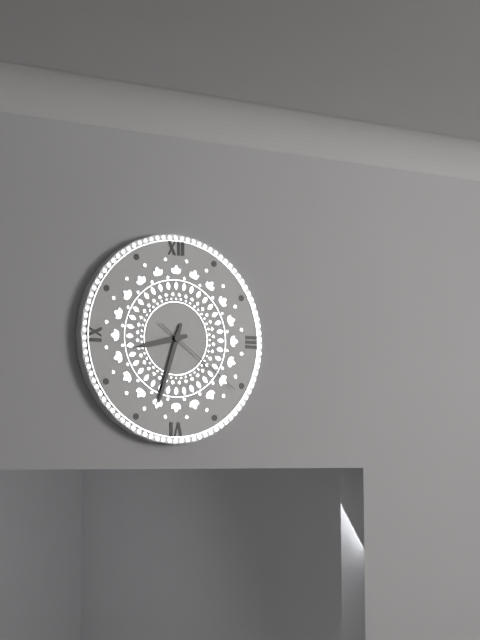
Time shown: 8:33:21
